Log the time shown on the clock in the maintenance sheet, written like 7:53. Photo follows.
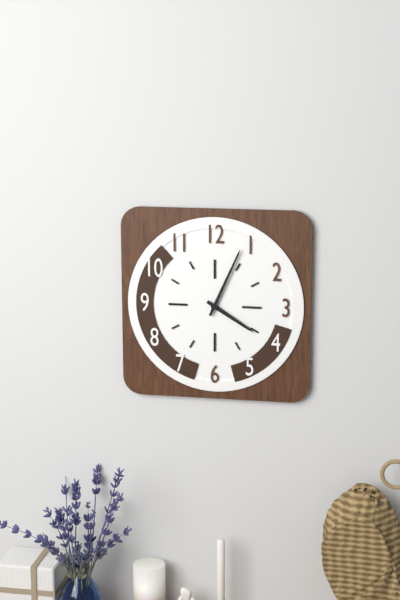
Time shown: 4:04
